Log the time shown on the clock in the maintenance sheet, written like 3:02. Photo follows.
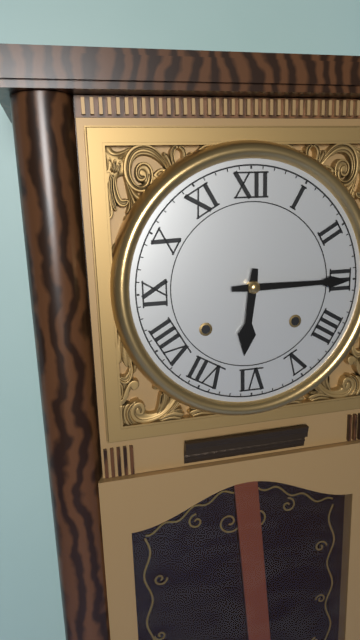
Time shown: 6:15
